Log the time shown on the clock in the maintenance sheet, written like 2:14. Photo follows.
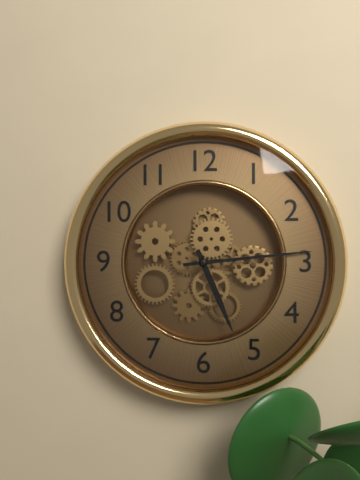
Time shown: 5:14
